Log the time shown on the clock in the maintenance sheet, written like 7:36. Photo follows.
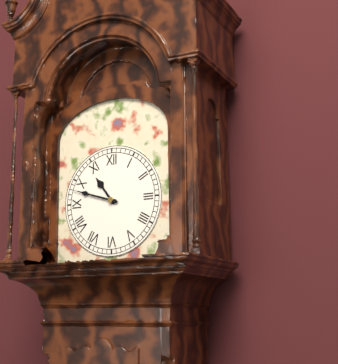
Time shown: 10:48
